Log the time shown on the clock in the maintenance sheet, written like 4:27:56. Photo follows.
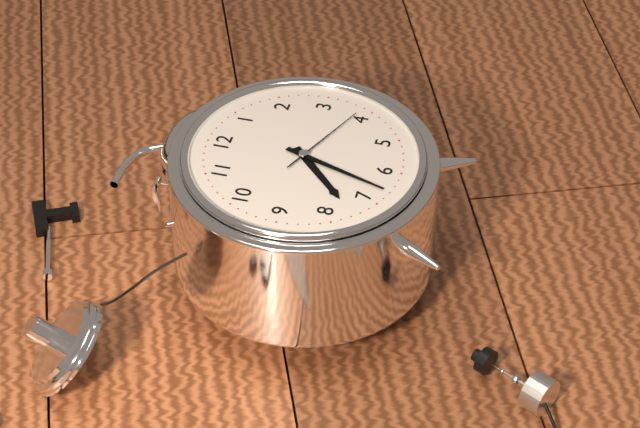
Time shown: 7:33:19
